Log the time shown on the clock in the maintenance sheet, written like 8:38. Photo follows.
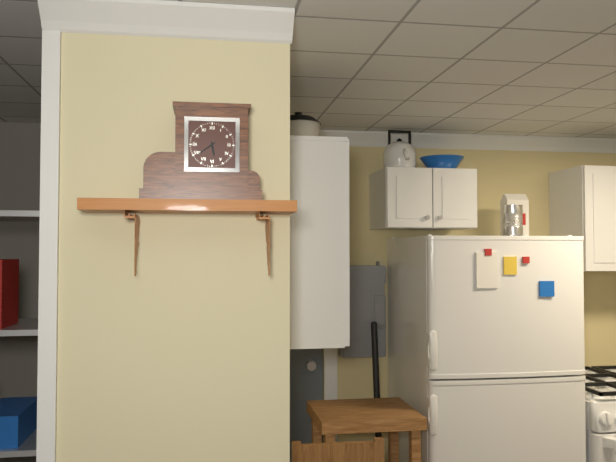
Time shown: 5:39
